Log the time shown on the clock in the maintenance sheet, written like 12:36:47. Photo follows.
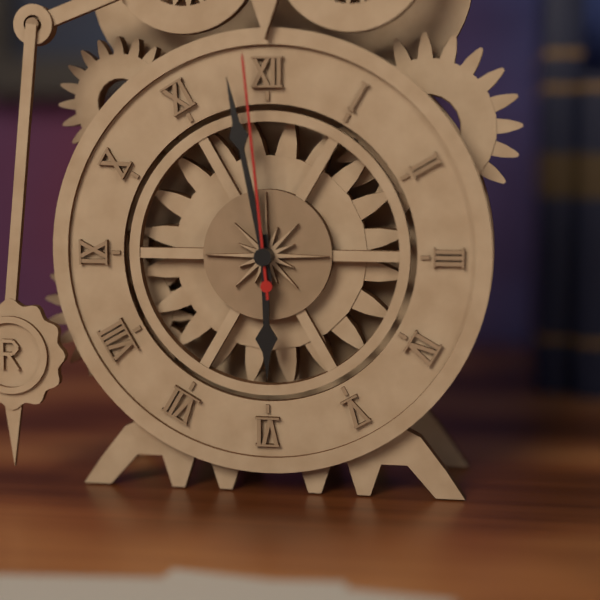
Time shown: 5:58:59
